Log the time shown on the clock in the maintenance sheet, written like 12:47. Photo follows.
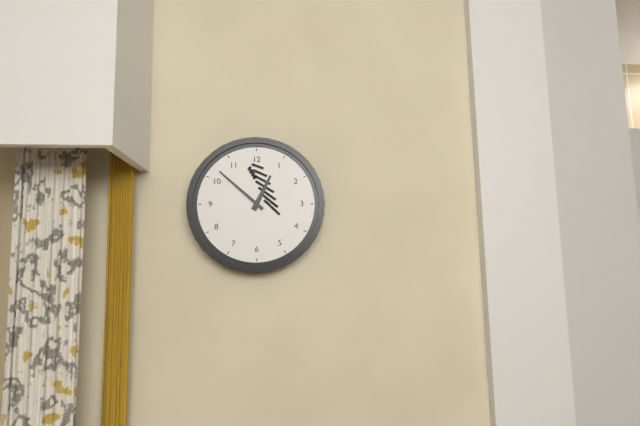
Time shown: 12:52
